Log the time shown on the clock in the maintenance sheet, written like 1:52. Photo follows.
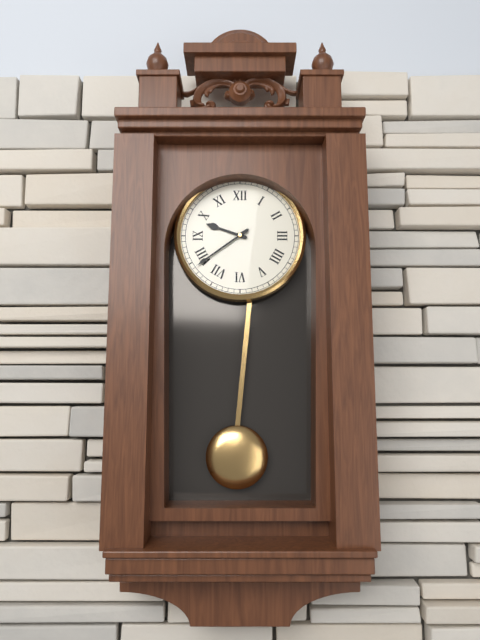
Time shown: 9:39
